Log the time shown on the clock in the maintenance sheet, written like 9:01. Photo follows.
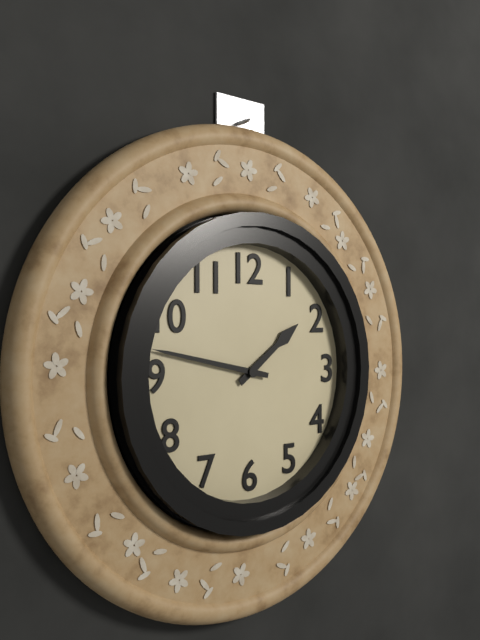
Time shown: 1:47
